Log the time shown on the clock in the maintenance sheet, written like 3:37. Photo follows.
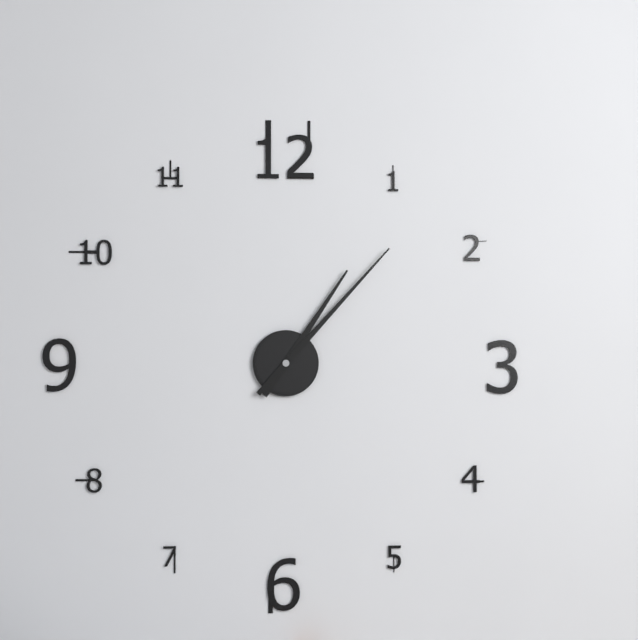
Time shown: 1:07
